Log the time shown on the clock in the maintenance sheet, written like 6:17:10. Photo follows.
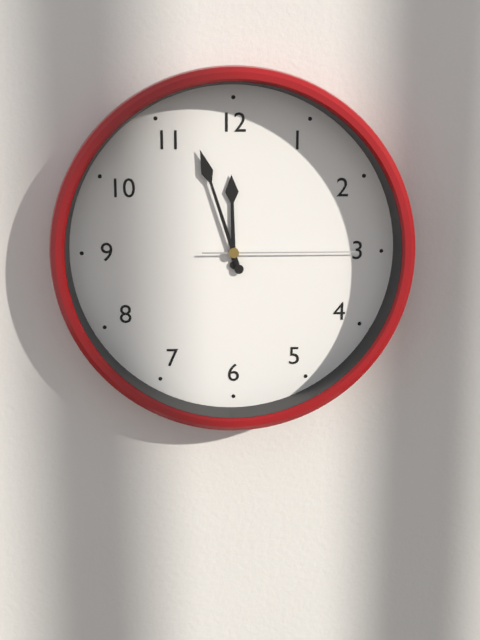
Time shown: 11:57:15
